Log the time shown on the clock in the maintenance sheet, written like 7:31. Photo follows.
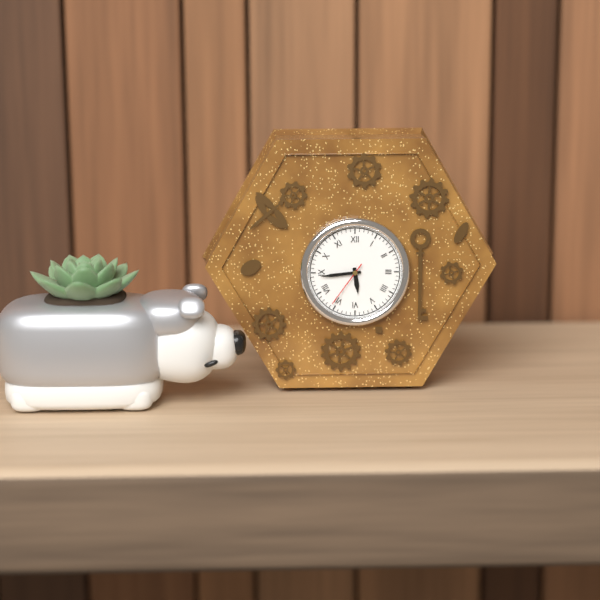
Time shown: 5:44
